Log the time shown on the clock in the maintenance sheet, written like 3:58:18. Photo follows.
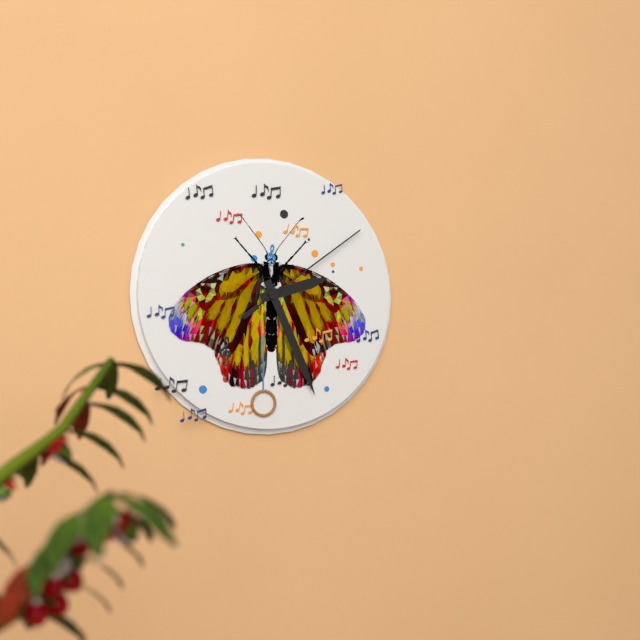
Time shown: 2:26:09
